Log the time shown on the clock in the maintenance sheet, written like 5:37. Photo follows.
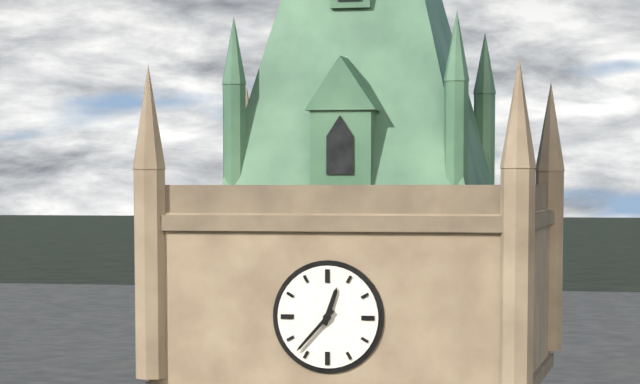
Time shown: 12:37
